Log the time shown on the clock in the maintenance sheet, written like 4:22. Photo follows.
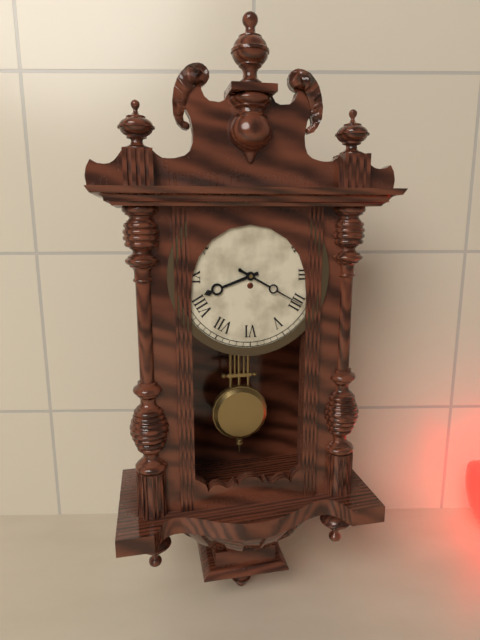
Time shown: 8:20
